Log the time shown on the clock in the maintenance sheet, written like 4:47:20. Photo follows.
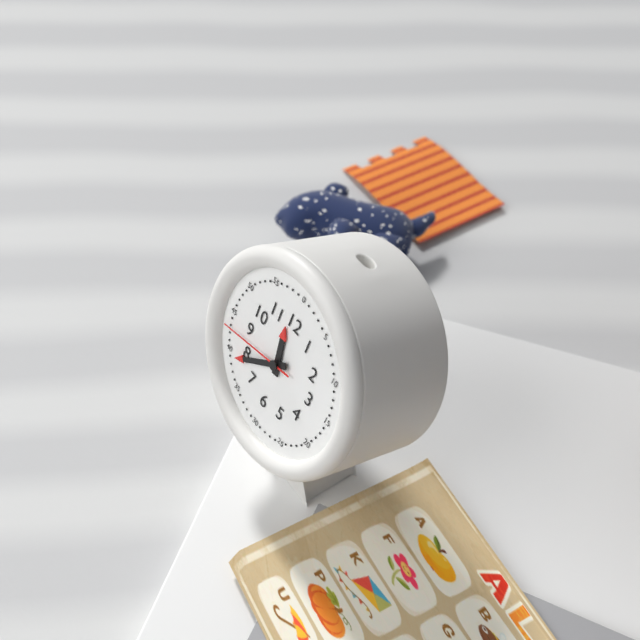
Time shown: 11:39:43
